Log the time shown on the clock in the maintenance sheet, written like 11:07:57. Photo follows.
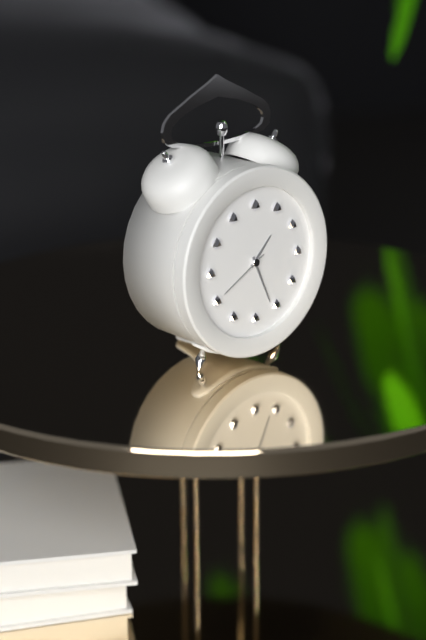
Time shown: 1:26:40
